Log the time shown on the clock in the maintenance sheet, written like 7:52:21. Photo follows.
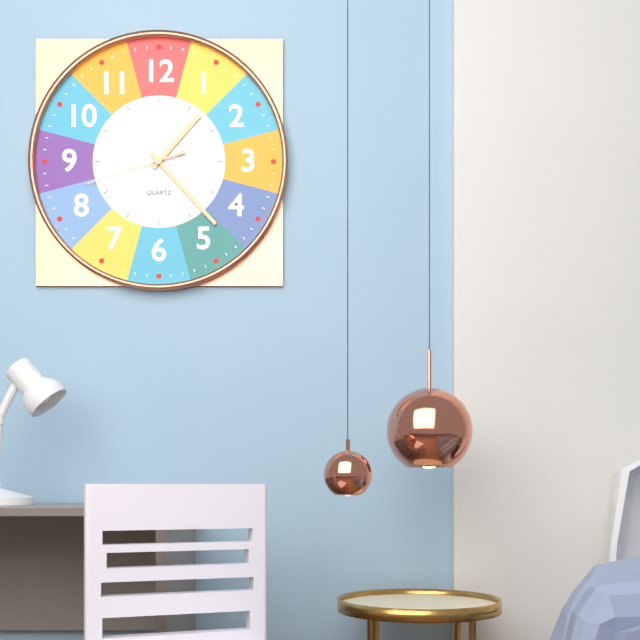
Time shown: 1:23:42
